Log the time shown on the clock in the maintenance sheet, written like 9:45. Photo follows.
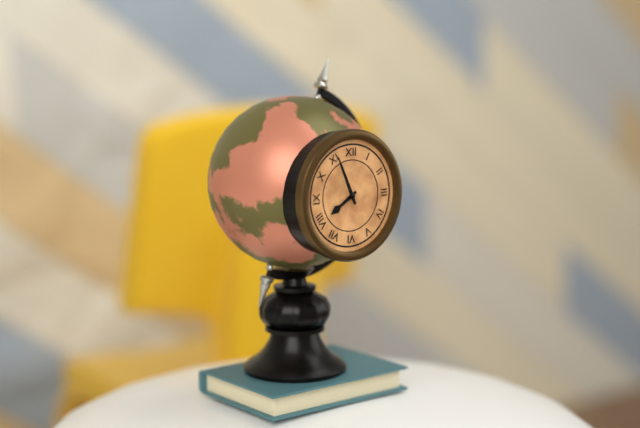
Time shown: 7:56
